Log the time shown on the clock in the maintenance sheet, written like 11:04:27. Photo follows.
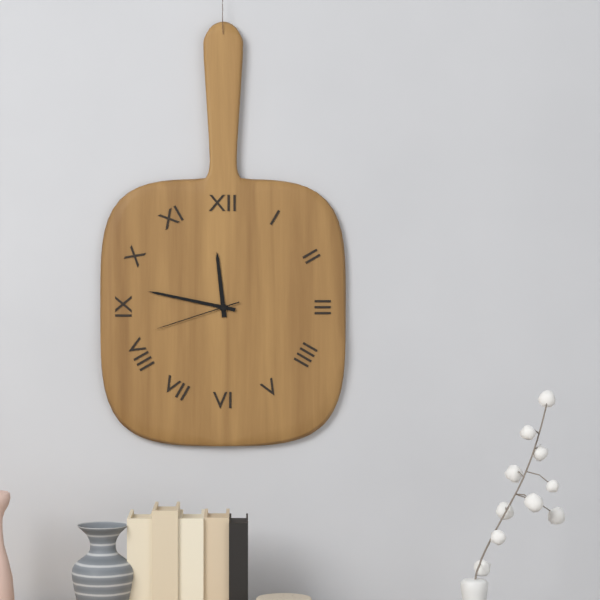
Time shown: 11:47:42
